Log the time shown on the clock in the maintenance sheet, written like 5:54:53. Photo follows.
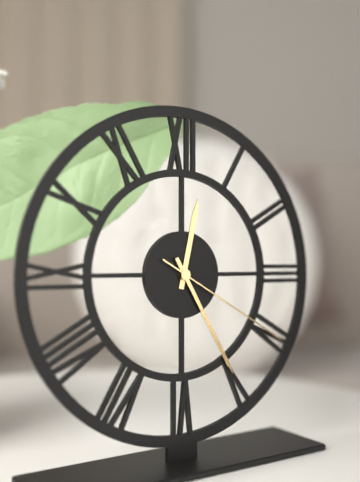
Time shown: 12:25:20
